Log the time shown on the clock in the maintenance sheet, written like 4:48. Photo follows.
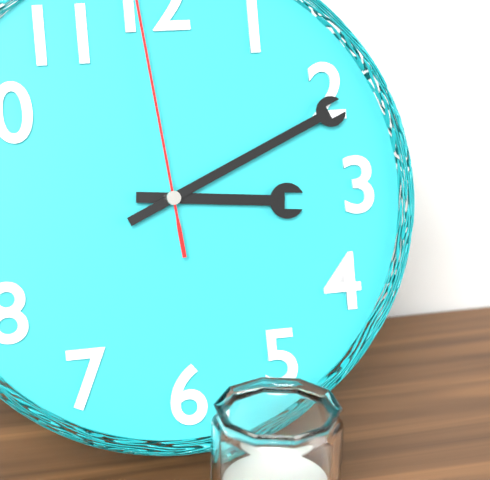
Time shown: 3:11
